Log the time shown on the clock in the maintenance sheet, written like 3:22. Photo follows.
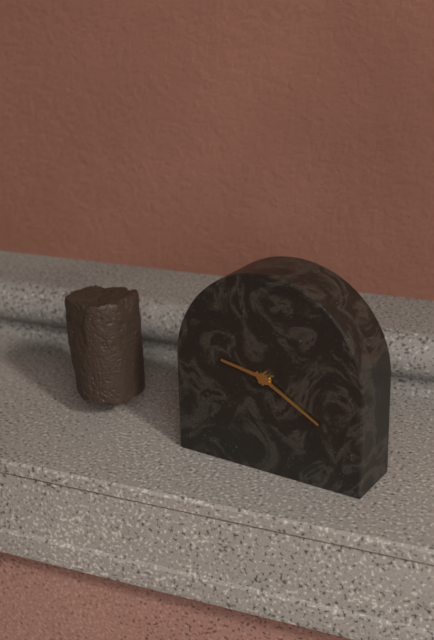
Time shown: 9:20
